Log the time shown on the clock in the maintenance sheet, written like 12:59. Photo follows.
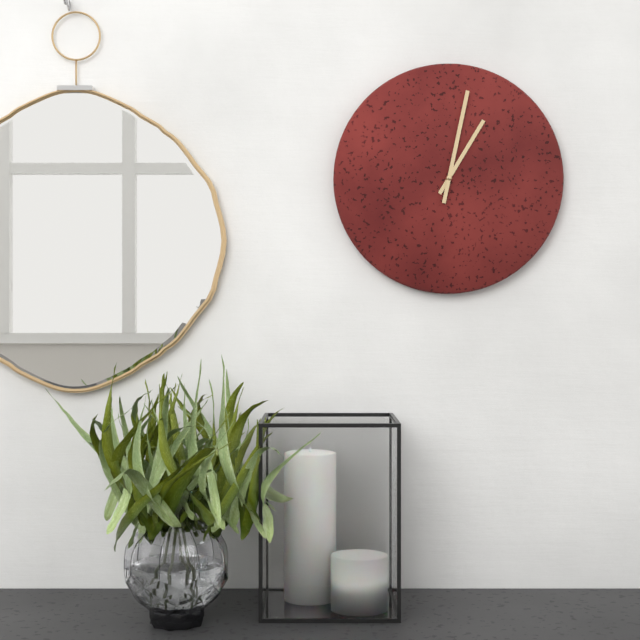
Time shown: 1:02
